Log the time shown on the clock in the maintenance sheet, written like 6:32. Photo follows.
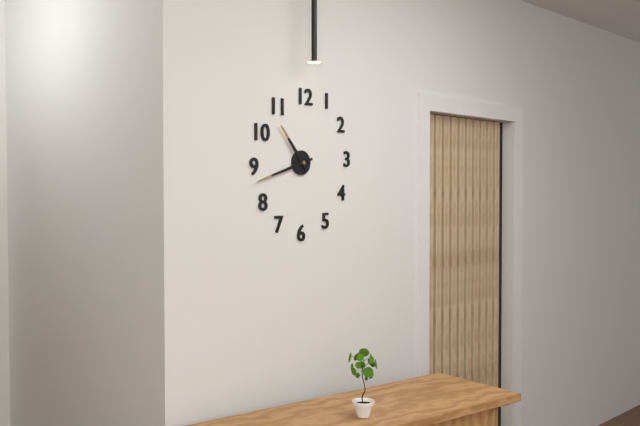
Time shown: 10:42
